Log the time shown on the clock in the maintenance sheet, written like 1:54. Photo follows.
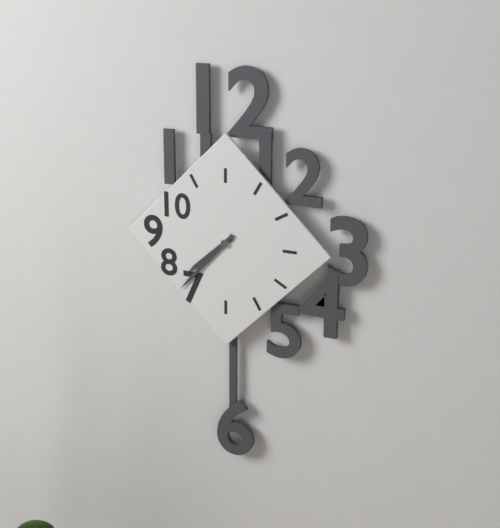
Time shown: 7:37
